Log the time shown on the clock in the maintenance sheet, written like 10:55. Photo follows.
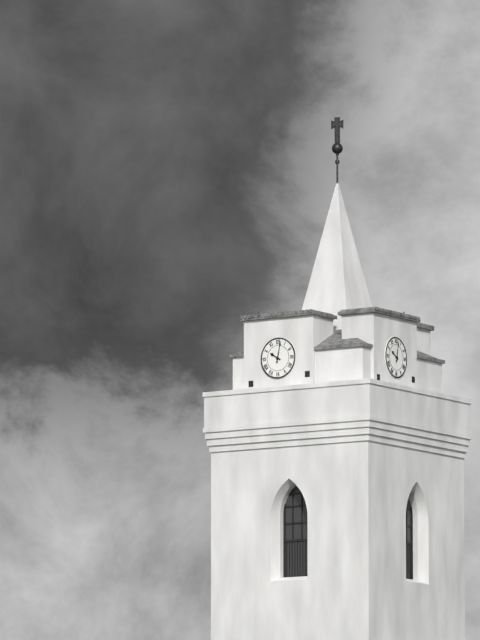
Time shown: 10:02
